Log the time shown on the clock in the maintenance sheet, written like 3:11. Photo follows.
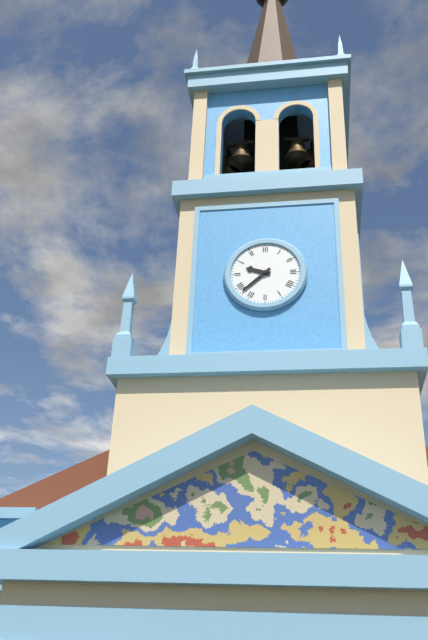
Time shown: 9:38
